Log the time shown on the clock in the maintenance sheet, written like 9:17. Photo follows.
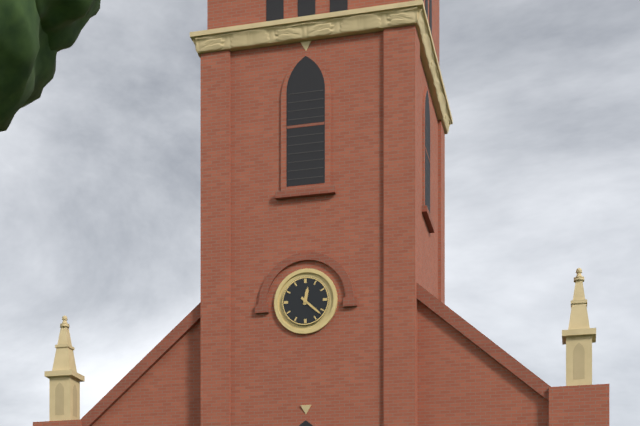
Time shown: 12:22
